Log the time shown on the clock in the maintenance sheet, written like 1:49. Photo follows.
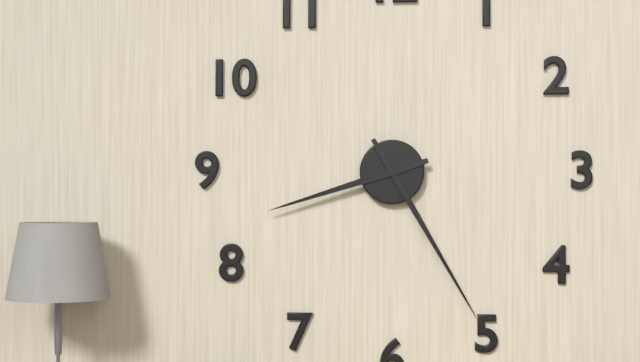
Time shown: 8:25
